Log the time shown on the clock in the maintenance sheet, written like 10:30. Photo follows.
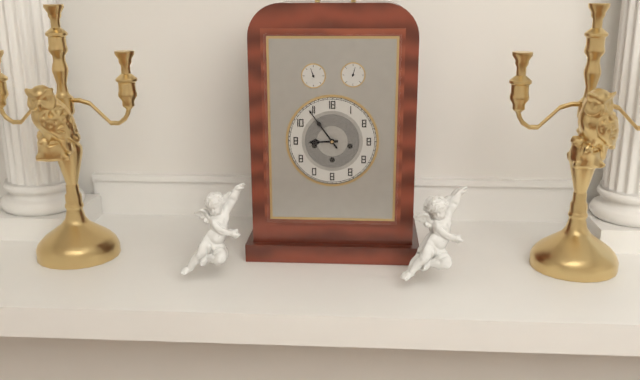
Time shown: 8:54
